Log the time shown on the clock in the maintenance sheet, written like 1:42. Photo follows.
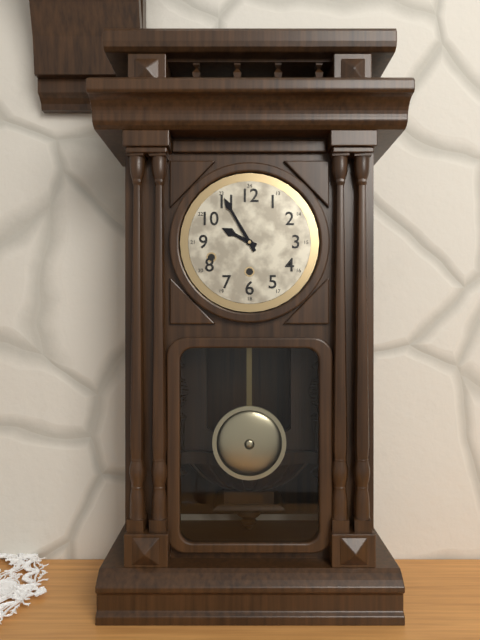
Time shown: 9:55
